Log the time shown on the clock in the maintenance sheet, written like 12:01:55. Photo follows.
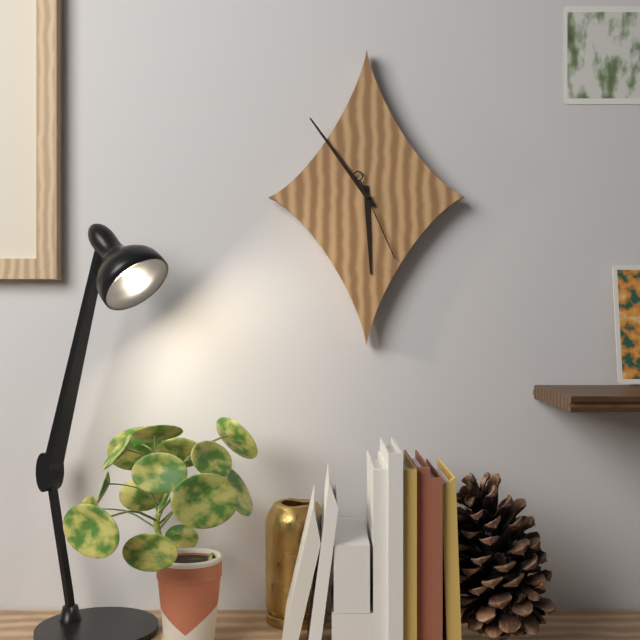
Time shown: 5:54:26
